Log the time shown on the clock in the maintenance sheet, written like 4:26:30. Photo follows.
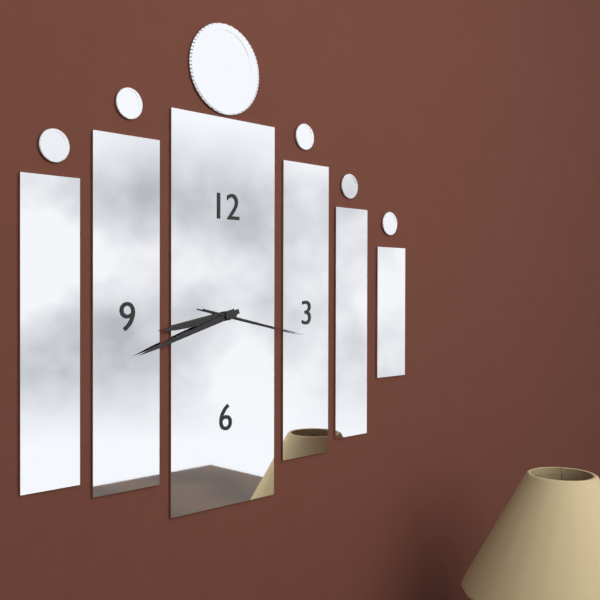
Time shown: 8:42:17
